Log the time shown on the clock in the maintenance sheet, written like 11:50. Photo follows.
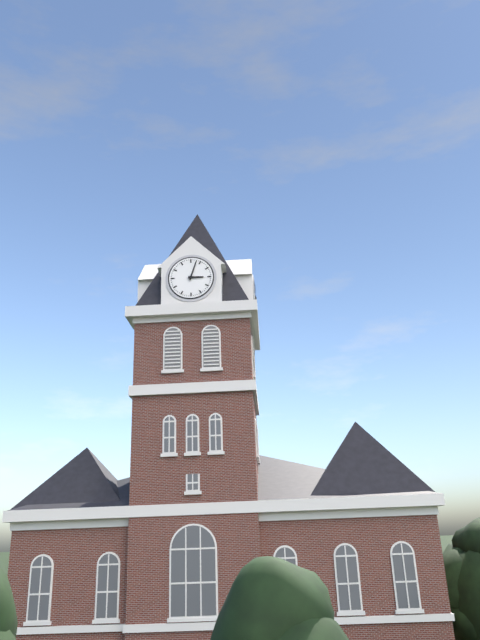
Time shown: 3:03
